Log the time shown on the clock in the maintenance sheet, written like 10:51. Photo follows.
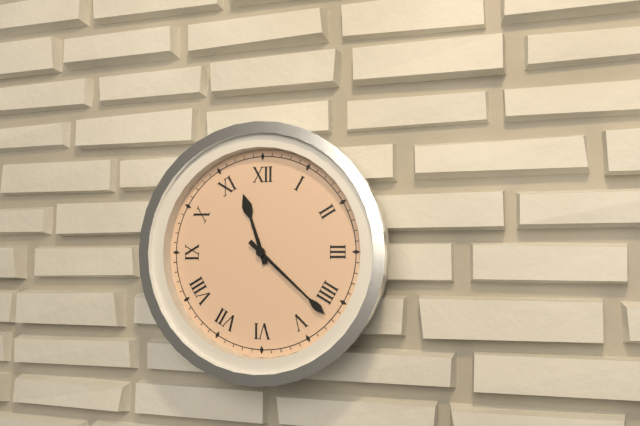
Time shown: 11:22
